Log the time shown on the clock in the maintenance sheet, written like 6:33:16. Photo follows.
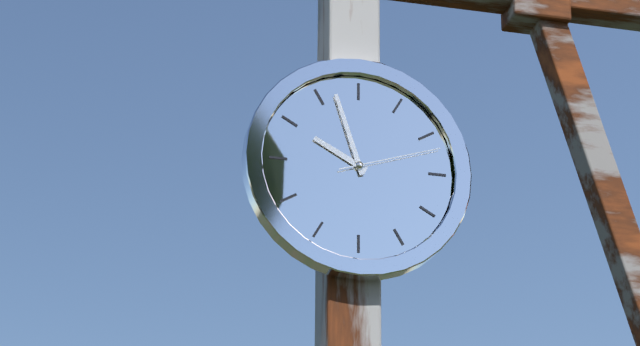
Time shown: 9:57:12
